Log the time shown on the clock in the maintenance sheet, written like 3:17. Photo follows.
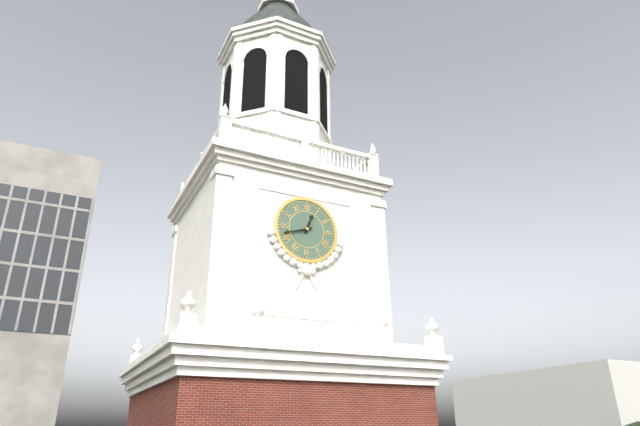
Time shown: 12:42
